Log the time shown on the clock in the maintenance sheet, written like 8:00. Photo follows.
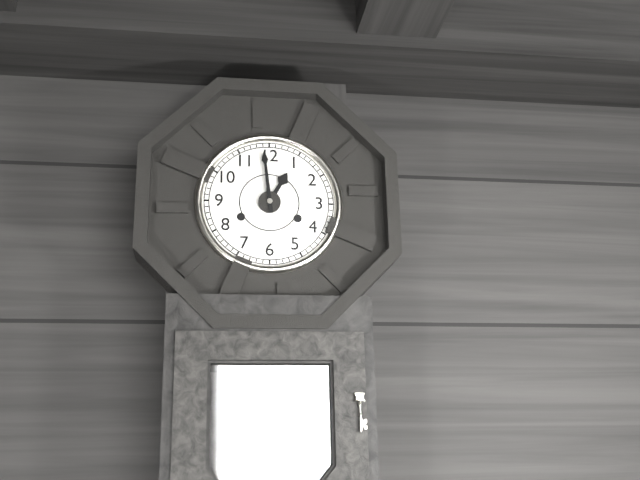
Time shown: 12:59
